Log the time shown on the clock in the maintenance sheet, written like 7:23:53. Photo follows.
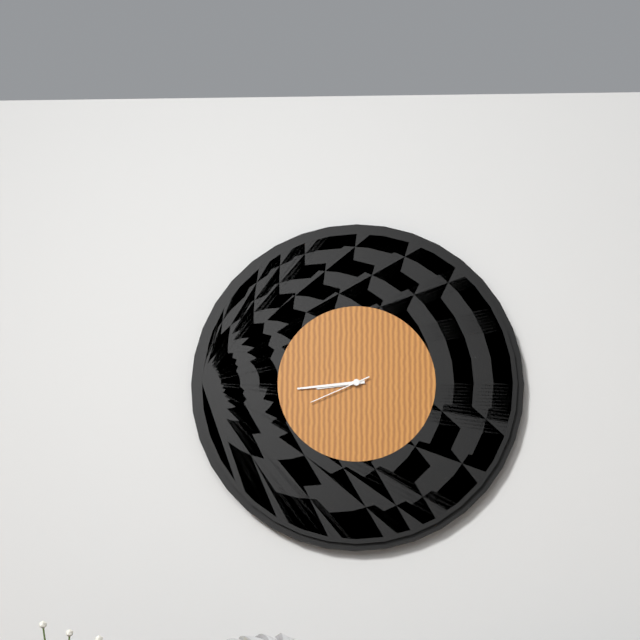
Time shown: 8:44:41
